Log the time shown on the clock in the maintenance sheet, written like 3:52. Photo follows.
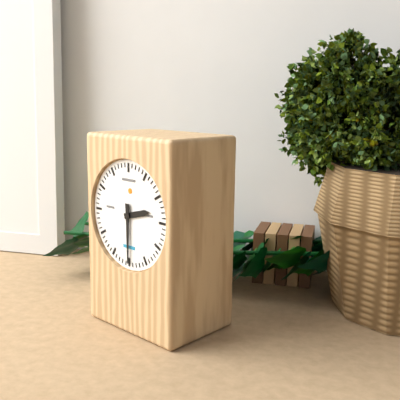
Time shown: 2:30
